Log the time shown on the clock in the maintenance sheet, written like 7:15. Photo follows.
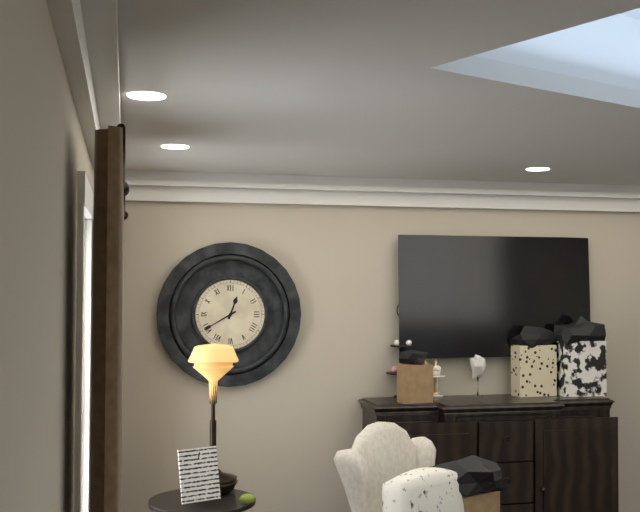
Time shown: 12:40
